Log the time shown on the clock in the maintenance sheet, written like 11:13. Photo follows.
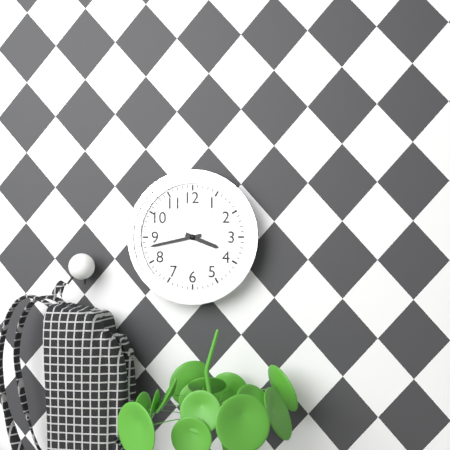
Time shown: 3:43
